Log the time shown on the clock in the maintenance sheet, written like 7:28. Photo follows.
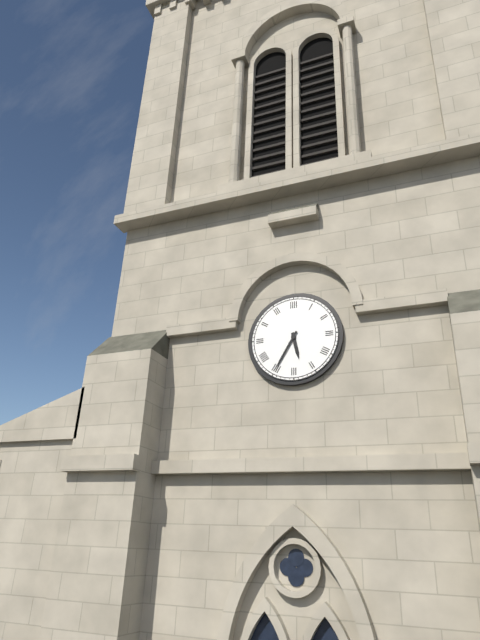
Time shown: 5:35
